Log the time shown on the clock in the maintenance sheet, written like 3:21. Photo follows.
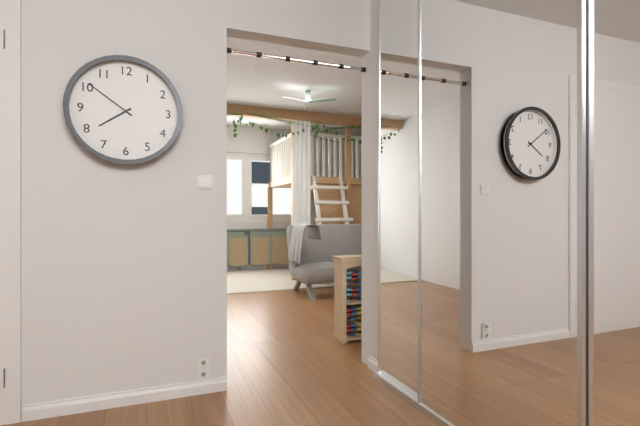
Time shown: 7:51
